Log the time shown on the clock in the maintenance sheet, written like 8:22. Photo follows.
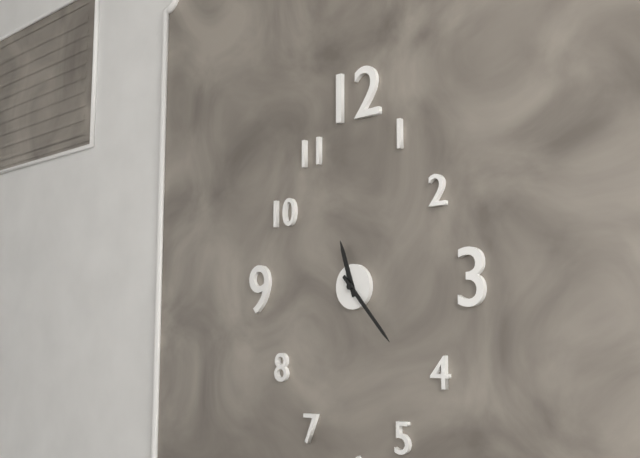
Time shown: 11:23
